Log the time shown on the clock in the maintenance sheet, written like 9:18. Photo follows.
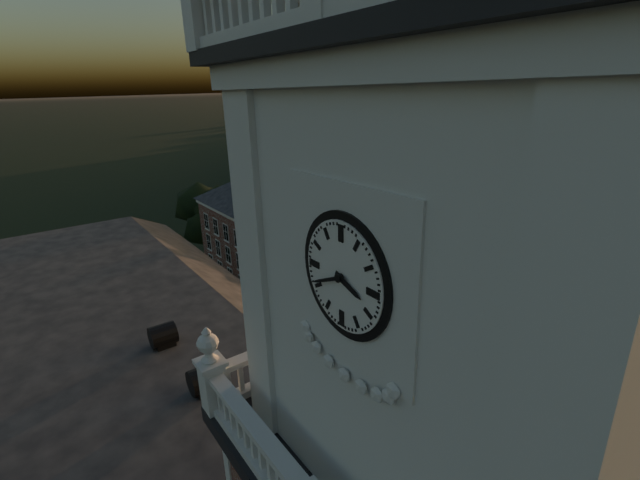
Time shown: 3:41
